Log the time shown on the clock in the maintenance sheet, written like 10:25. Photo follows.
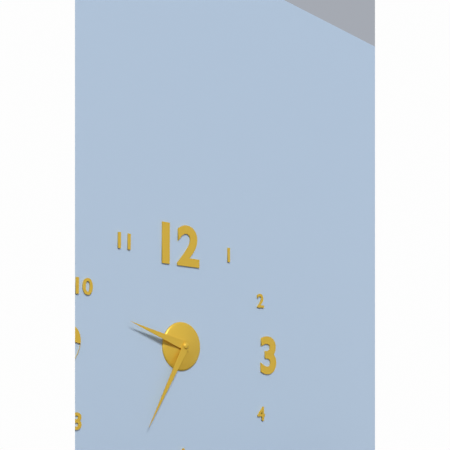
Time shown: 9:35
